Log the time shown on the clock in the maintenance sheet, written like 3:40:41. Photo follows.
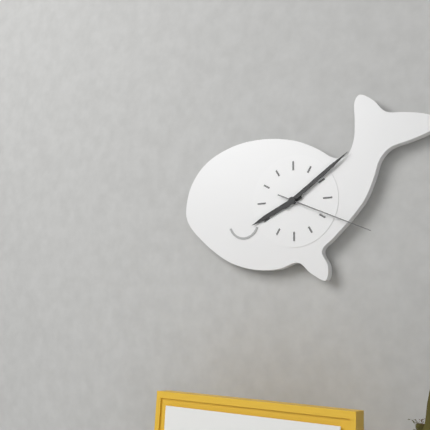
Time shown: 8:09:19
